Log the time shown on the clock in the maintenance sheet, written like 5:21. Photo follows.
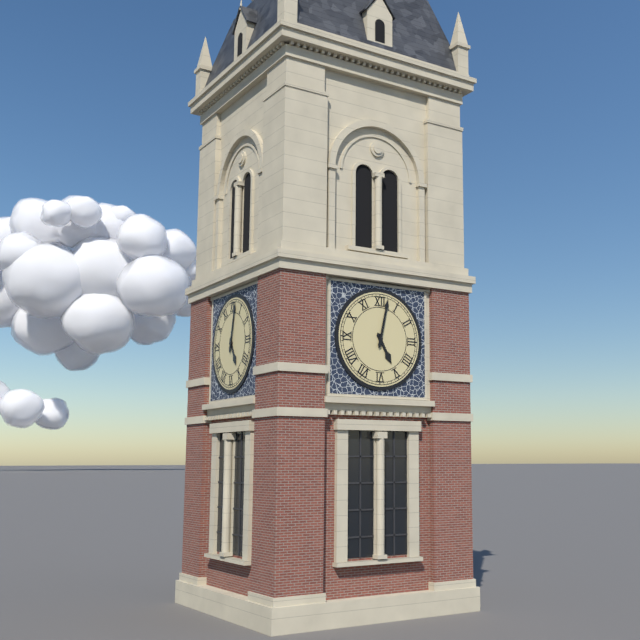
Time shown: 5:02
